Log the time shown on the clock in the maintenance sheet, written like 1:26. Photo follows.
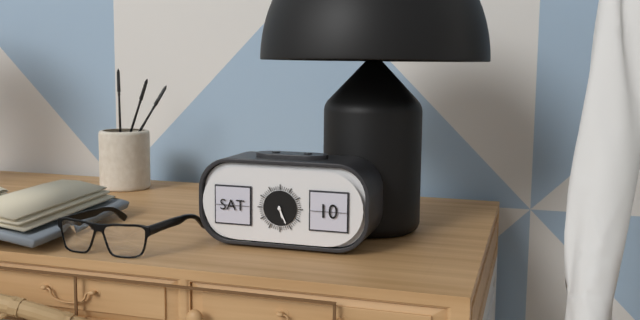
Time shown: 5:26
